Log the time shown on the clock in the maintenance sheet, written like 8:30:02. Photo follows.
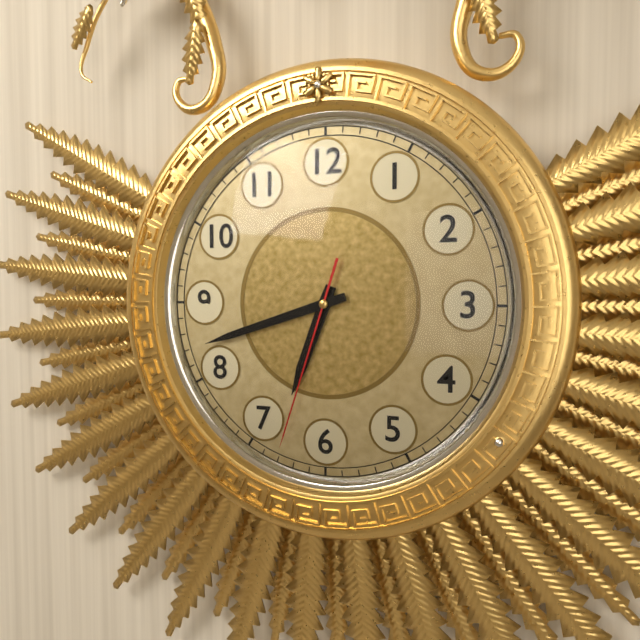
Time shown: 6:42:33
